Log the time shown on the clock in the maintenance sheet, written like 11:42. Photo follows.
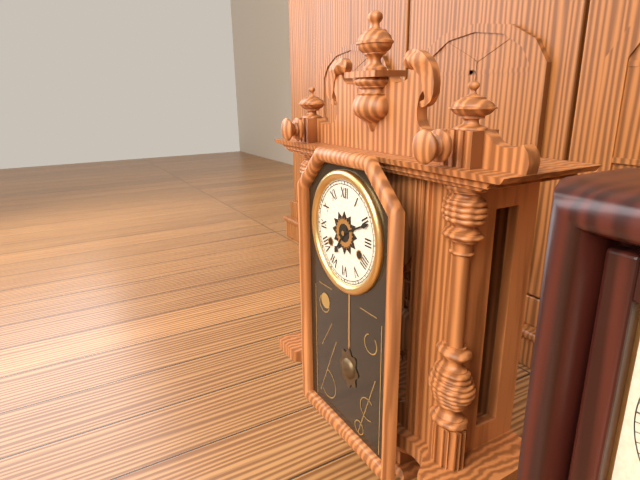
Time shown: 7:11
